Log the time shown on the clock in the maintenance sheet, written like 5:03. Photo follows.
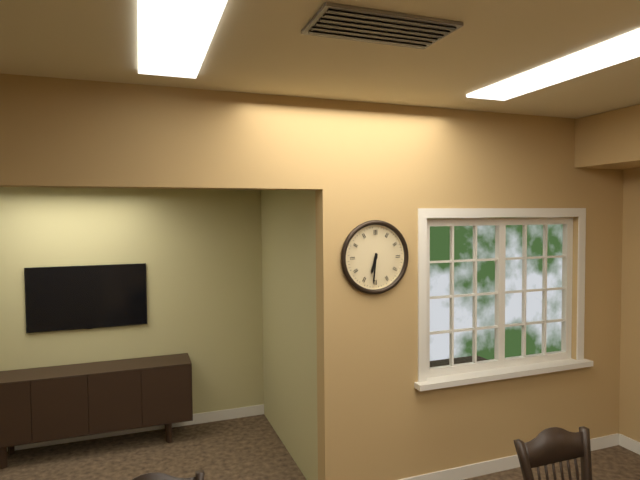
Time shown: 6:31
